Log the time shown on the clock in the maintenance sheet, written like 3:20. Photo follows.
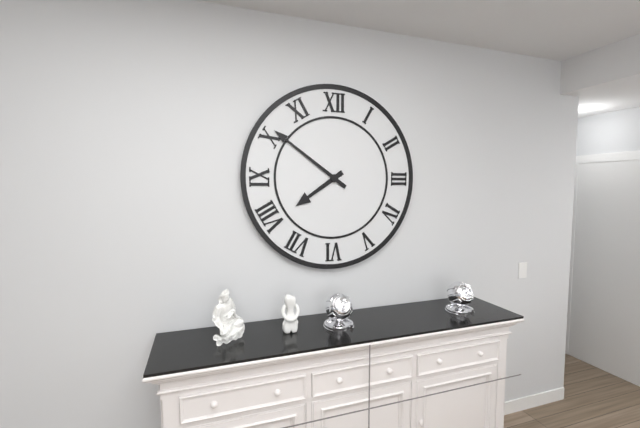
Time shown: 7:51
